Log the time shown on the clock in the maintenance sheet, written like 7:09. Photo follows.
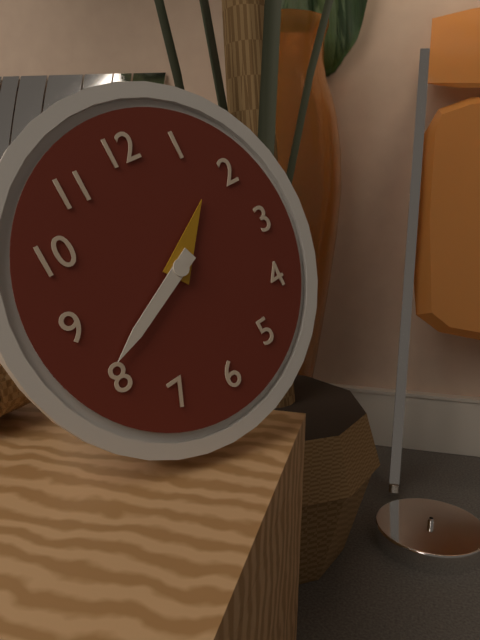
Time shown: 1:41
